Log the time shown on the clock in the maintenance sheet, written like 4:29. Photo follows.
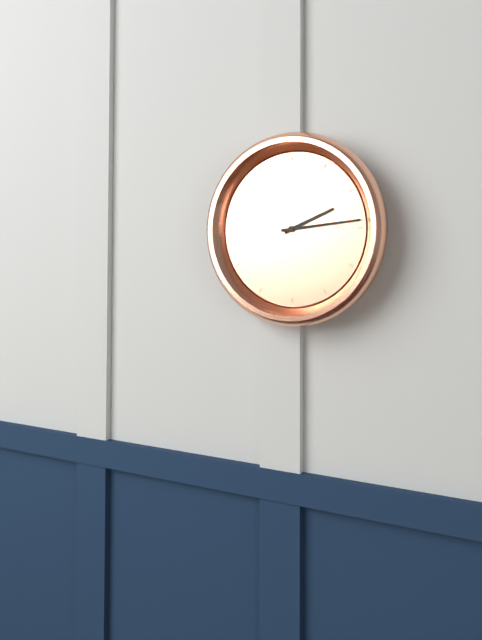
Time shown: 2:14
